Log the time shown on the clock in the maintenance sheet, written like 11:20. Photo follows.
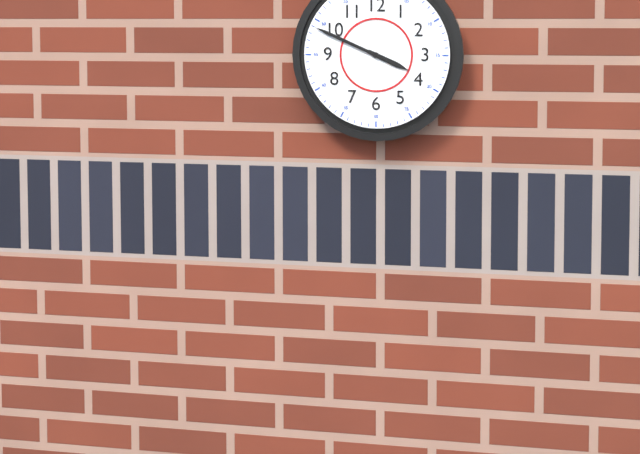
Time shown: 3:49
